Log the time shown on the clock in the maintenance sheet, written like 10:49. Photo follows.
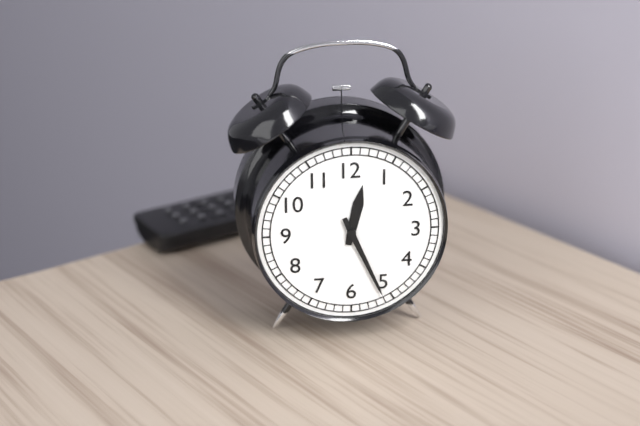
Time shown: 12:26
